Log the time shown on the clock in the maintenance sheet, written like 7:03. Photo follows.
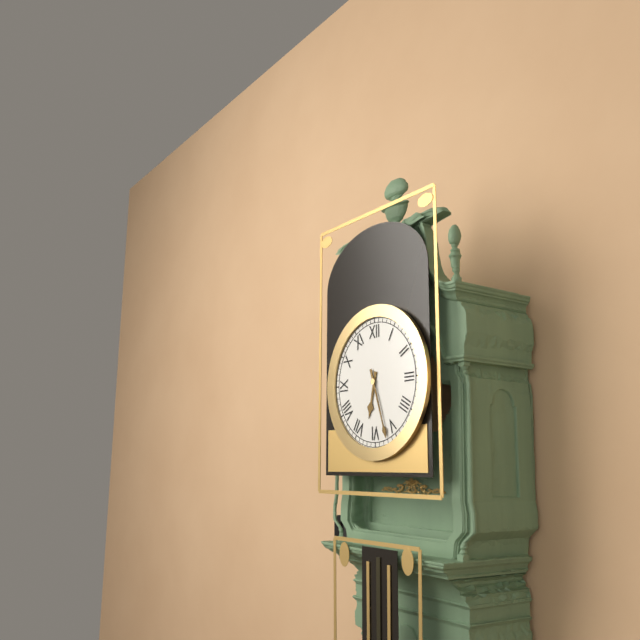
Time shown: 6:27
